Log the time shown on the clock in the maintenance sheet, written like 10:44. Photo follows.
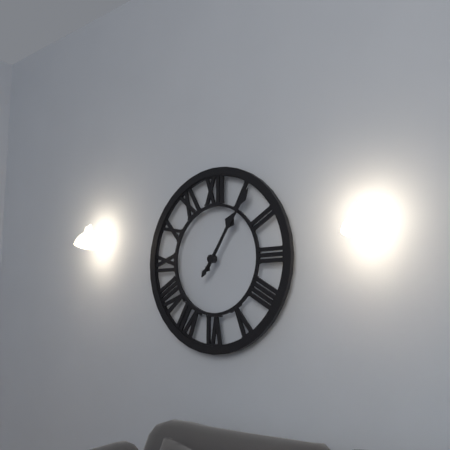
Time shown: 1:06
